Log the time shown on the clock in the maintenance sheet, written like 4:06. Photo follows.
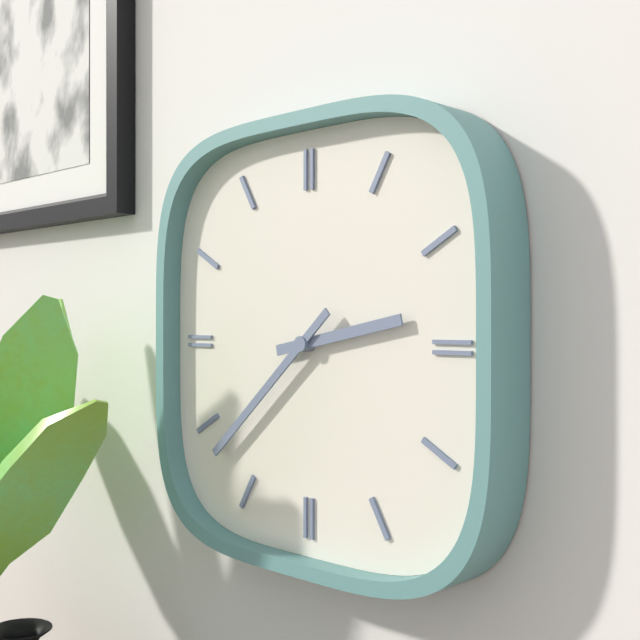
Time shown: 2:38
